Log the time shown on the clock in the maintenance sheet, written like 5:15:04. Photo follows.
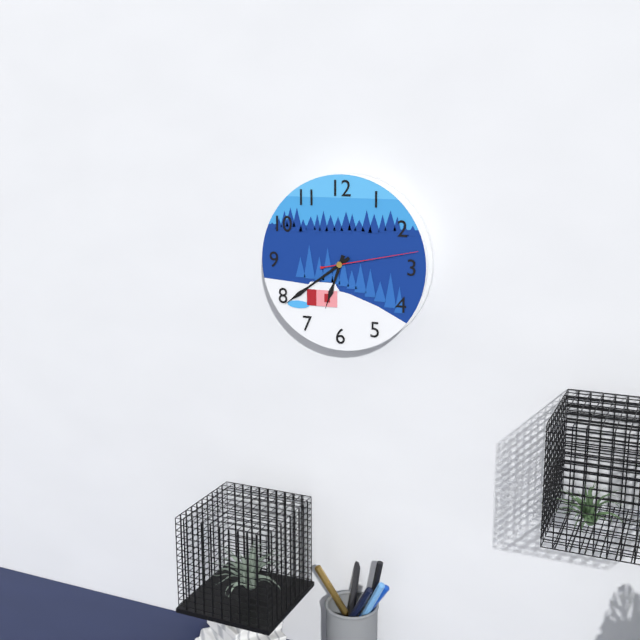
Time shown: 6:39:13
